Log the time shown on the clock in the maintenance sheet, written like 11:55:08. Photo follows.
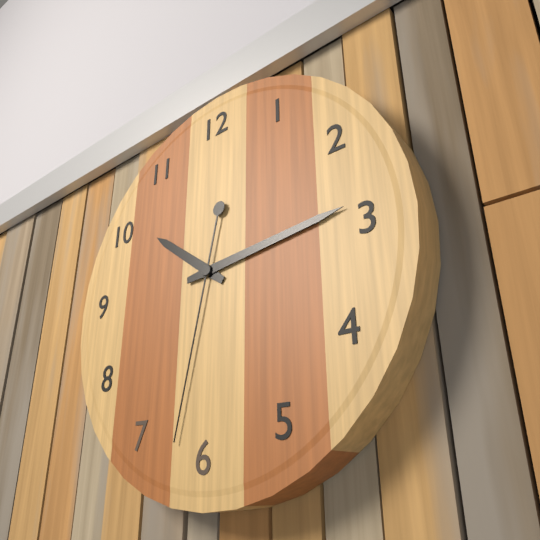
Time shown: 10:14:32
